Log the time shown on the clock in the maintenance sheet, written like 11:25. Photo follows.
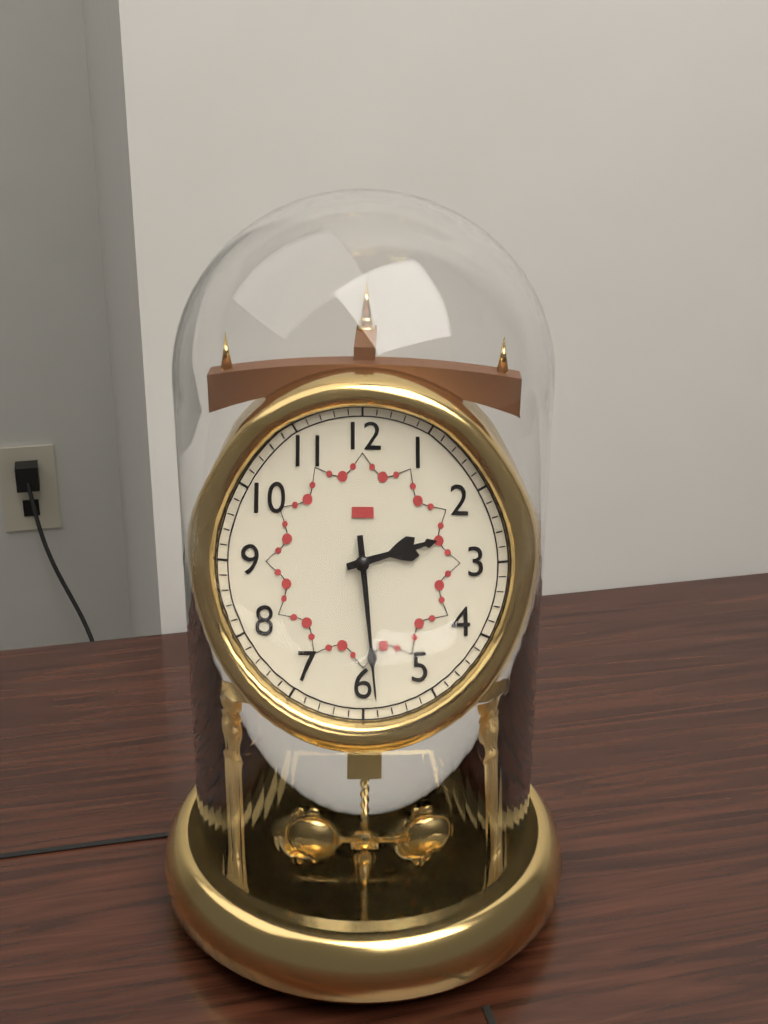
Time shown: 2:29
